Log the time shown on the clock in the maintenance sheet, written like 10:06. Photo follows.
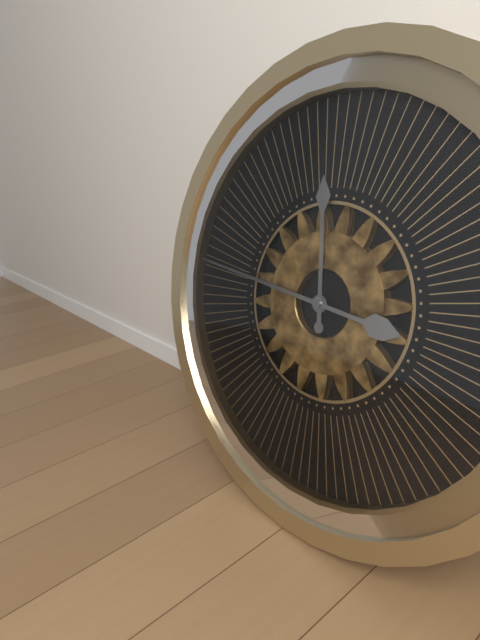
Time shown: 11:46
